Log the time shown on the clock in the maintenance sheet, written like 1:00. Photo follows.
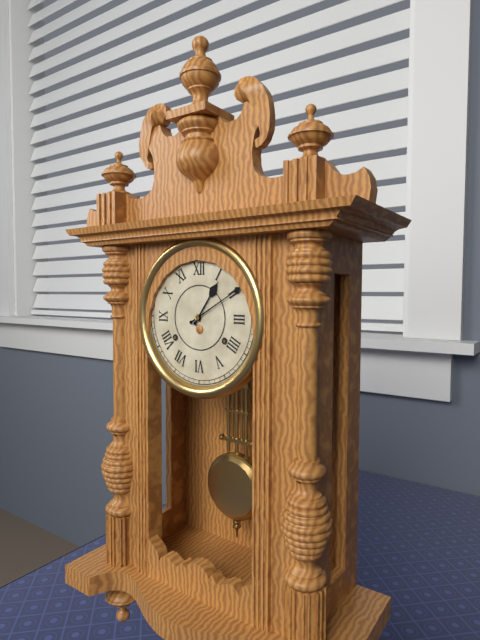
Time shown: 1:10
